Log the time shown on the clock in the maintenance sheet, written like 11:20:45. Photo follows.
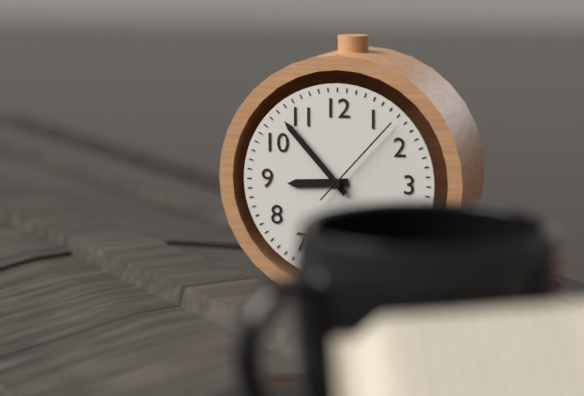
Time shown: 8:53:07
